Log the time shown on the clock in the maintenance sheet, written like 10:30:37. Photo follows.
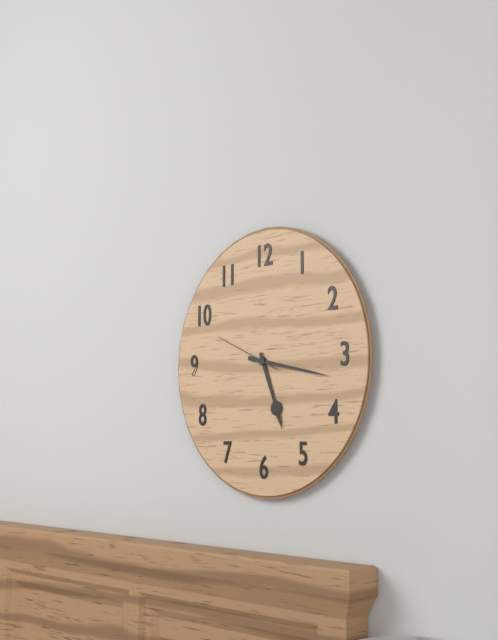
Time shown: 5:17:49
